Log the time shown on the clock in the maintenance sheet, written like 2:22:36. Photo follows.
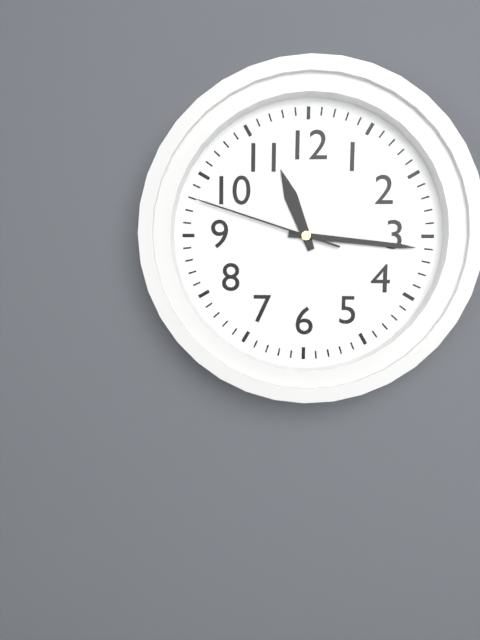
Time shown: 11:16:48
